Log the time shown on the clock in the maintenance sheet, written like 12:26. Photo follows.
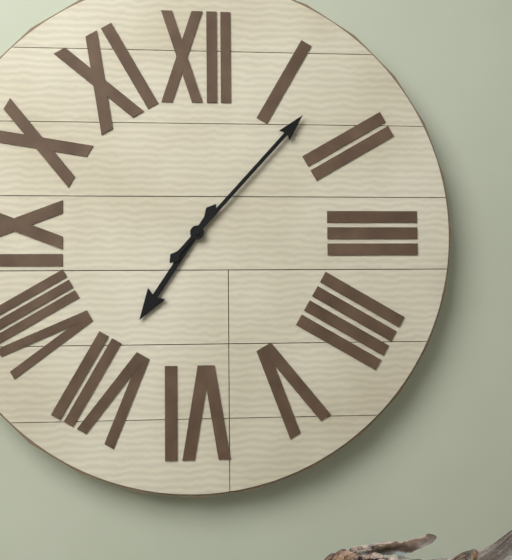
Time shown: 7:07
